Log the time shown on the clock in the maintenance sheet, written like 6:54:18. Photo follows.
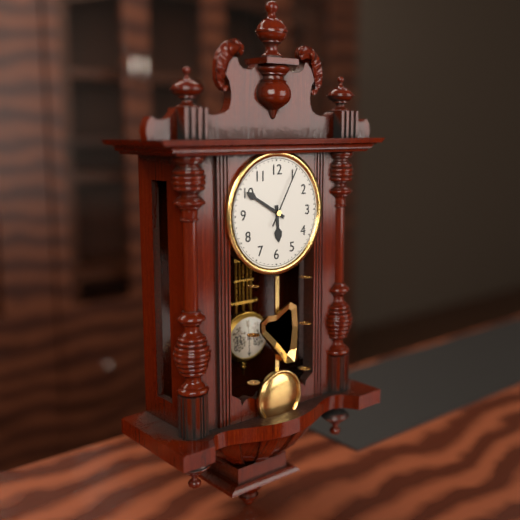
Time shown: 5:50:05
